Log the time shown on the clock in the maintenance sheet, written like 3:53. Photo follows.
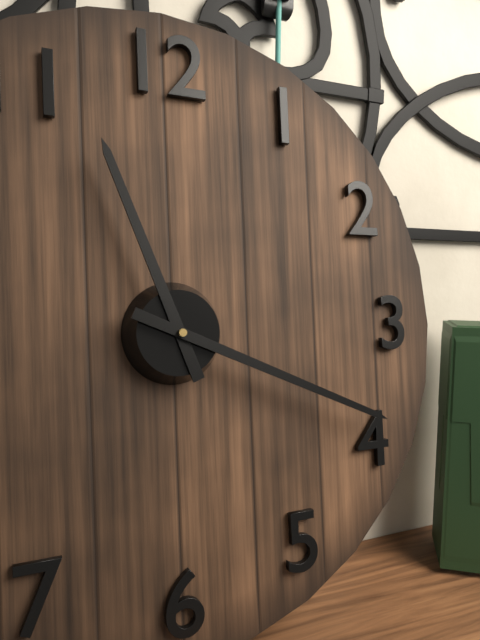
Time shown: 11:19
